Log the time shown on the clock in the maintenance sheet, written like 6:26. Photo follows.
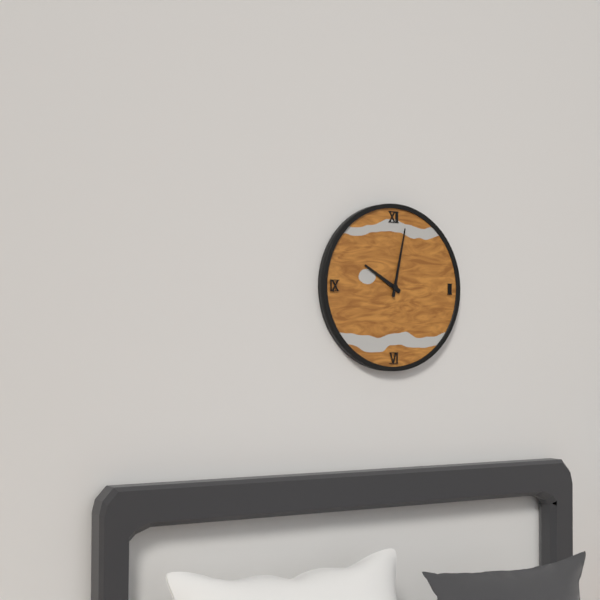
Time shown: 10:02
